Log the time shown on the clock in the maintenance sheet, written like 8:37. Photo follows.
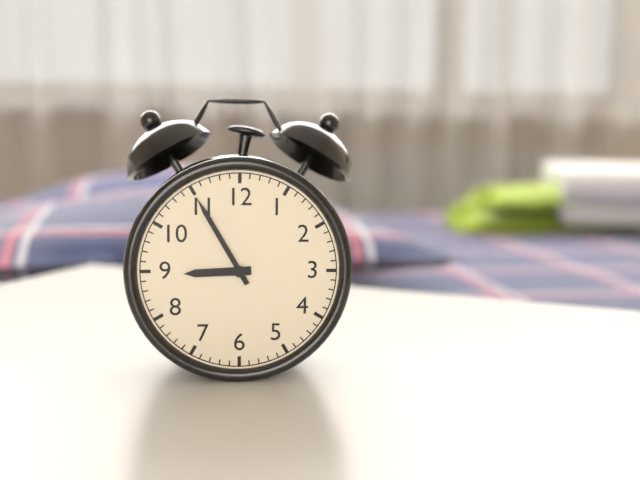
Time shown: 8:55
